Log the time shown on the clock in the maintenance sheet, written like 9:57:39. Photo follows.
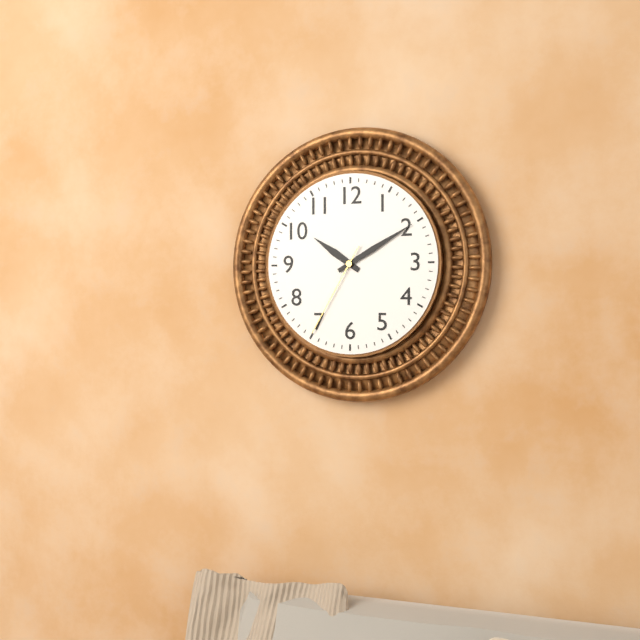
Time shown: 10:10:35
